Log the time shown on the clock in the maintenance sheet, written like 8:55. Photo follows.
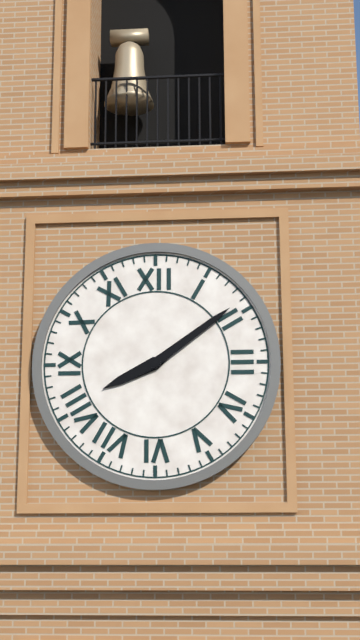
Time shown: 8:09
